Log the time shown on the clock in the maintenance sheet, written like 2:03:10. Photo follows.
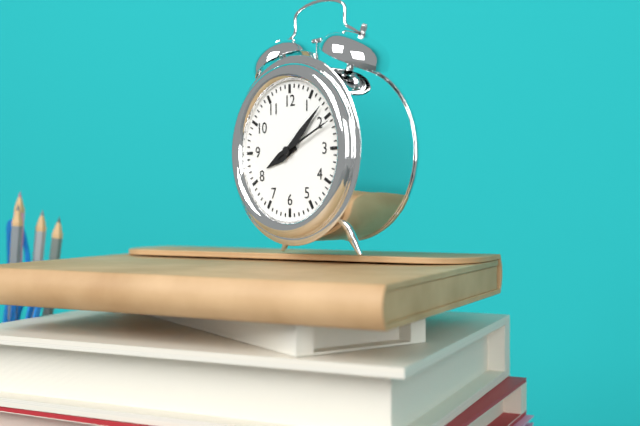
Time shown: 8:08:11
